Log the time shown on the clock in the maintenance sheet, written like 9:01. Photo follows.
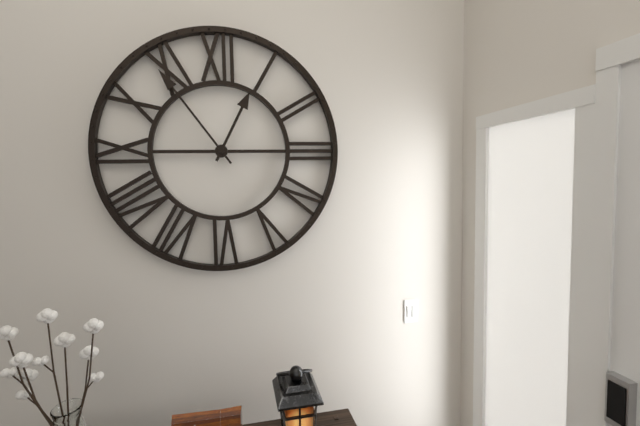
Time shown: 12:54
